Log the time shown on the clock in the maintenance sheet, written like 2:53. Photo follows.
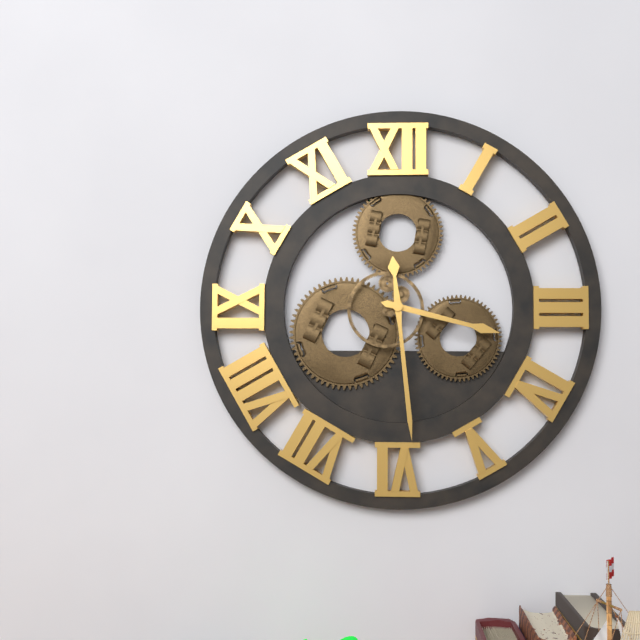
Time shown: 3:29
